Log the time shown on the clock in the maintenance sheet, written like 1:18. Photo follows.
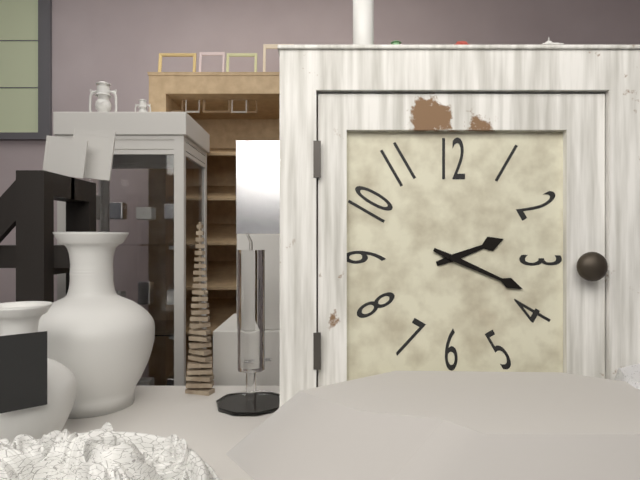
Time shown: 2:19
